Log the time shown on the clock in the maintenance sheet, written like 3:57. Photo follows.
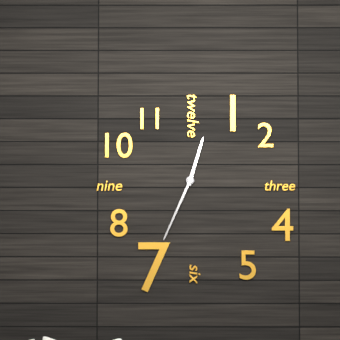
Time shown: 12:34
